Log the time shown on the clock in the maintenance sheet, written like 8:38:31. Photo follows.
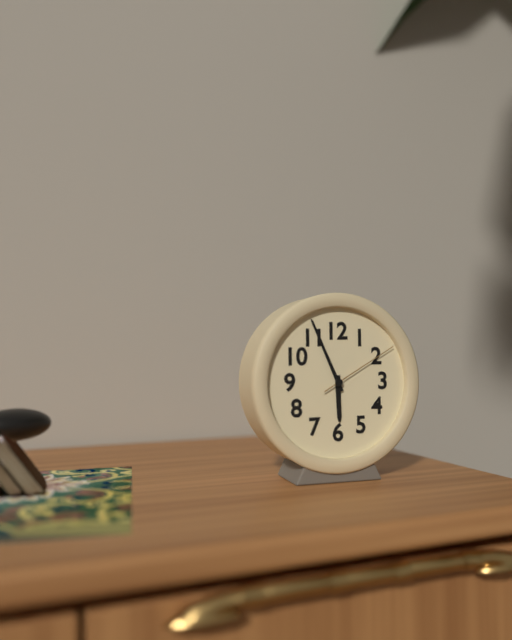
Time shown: 5:56:10
